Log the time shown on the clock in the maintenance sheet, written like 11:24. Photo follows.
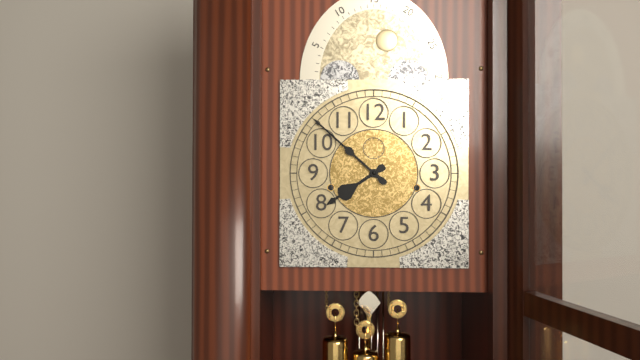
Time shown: 7:52
